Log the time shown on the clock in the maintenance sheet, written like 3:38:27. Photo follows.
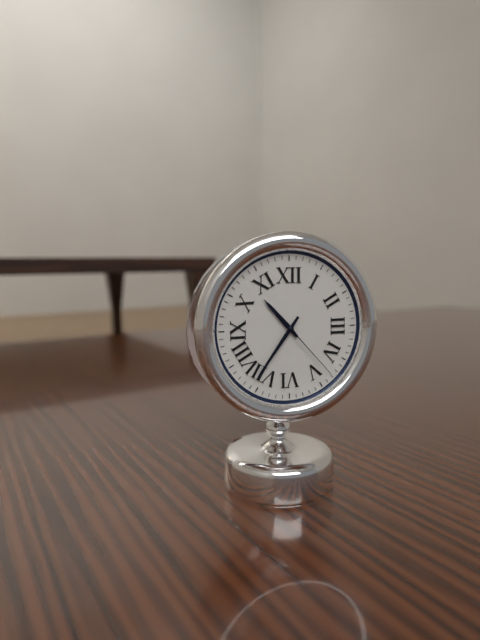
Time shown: 10:36:23
